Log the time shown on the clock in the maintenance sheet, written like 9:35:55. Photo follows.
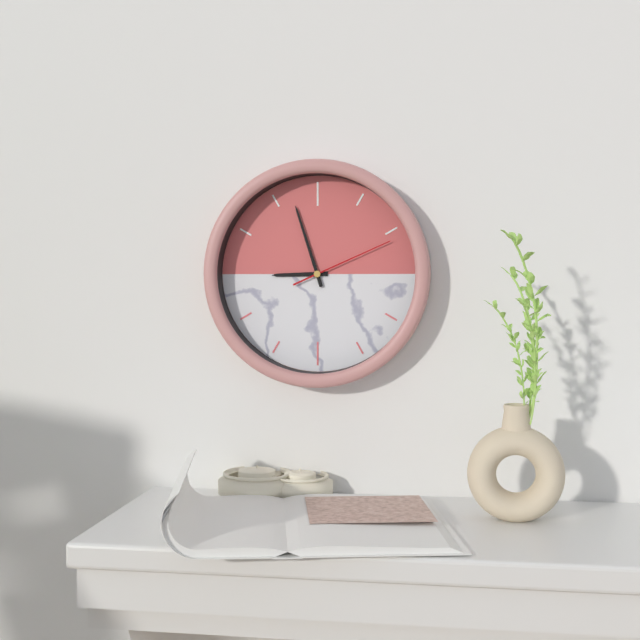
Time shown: 8:57:11
